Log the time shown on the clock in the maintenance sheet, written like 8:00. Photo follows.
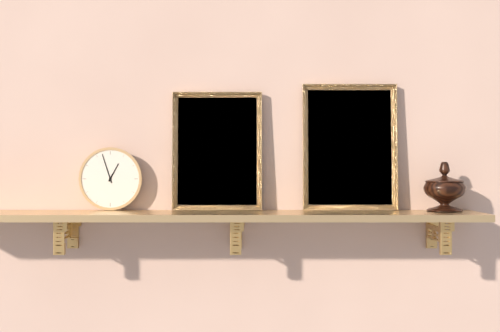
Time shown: 12:57
